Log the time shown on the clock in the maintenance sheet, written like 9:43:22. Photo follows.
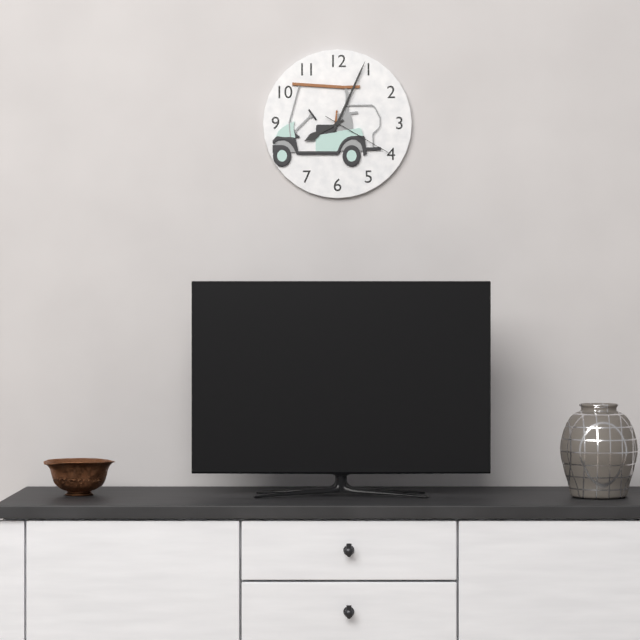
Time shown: 8:04:20
